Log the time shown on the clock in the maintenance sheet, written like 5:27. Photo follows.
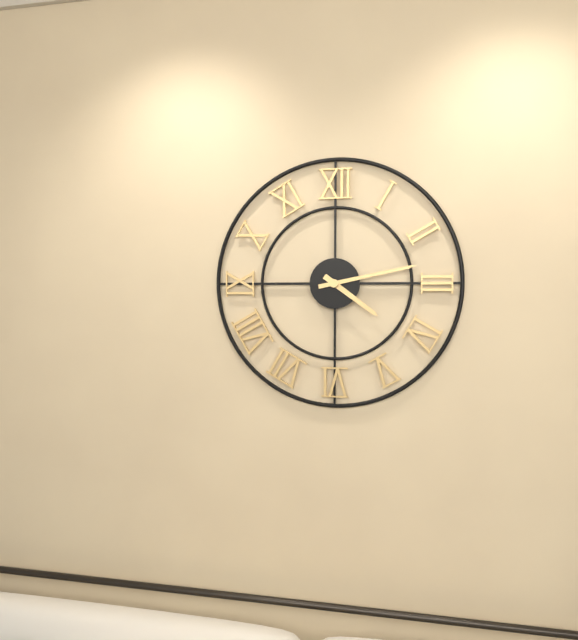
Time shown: 4:13
